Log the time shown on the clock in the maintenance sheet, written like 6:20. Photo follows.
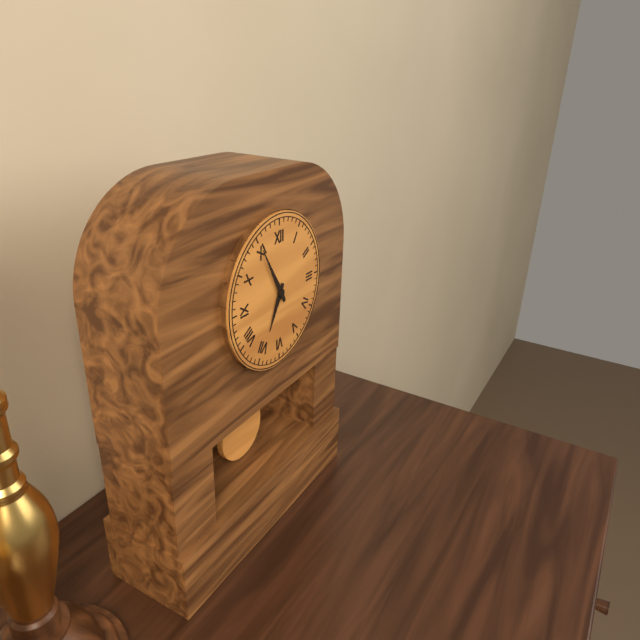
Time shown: 6:55
